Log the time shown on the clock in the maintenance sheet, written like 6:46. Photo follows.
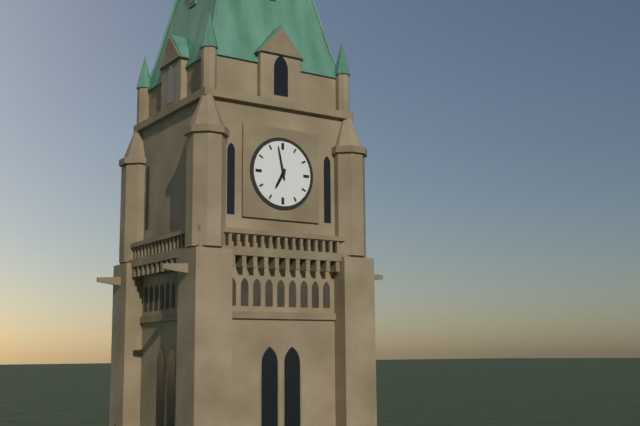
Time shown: 6:58
